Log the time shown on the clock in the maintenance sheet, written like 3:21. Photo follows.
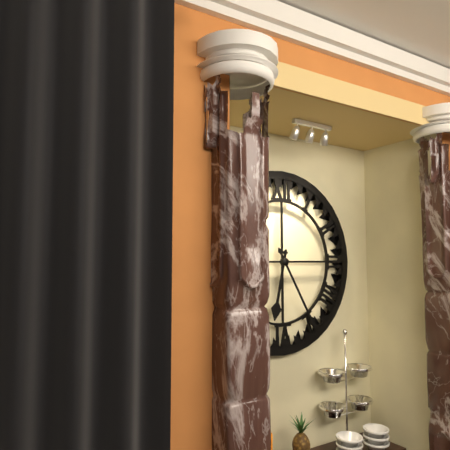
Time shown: 6:25
